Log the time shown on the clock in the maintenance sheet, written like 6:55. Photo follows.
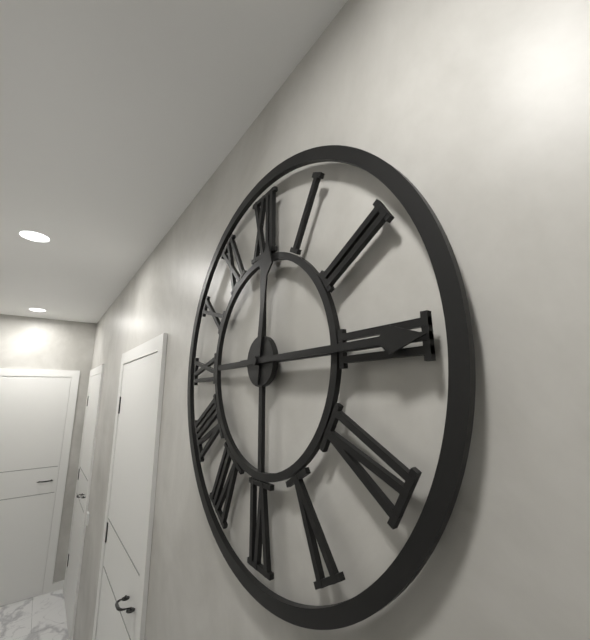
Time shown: 12:15
